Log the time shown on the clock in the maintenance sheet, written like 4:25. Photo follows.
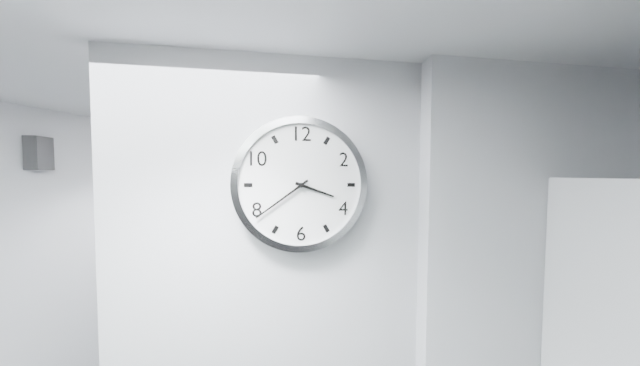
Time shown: 3:39
